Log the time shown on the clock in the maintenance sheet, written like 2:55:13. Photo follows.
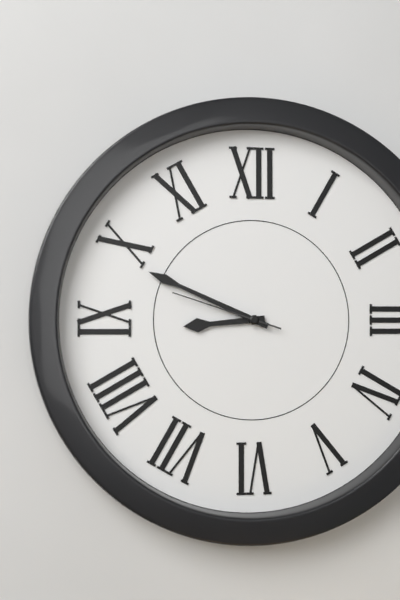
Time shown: 8:49:48
